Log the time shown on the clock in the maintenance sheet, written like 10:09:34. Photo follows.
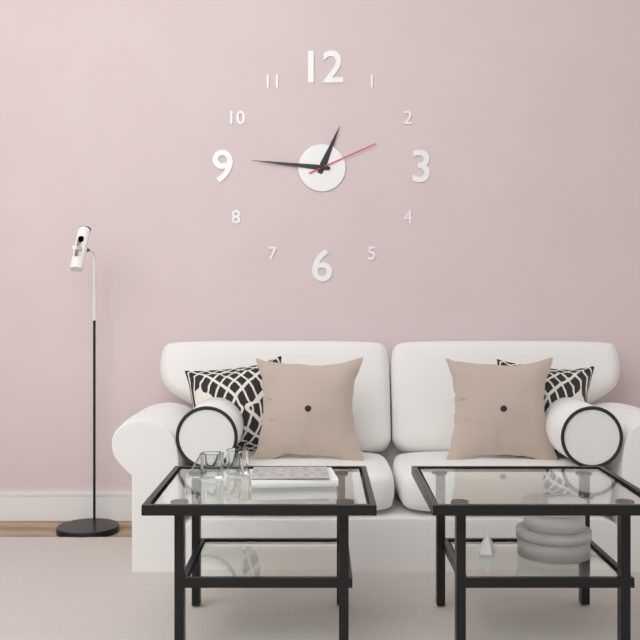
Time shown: 12:46:11
